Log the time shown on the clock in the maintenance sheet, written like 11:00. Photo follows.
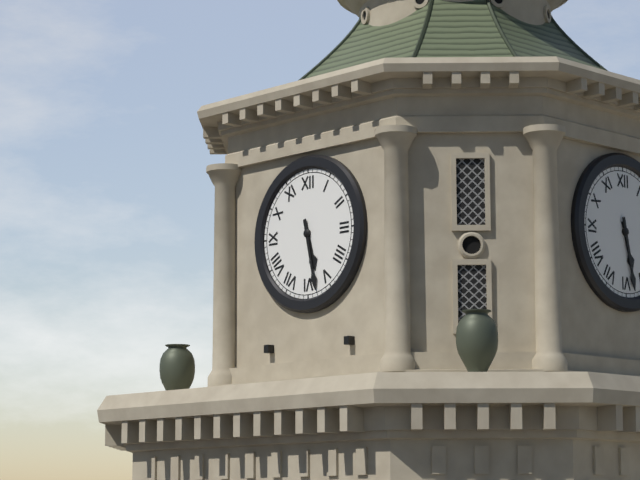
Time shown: 5:28
